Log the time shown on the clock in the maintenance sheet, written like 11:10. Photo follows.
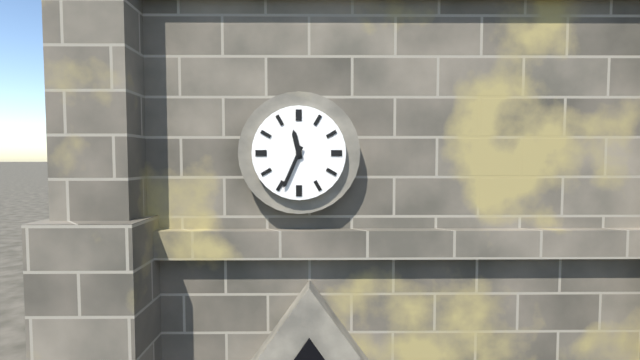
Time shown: 11:34
